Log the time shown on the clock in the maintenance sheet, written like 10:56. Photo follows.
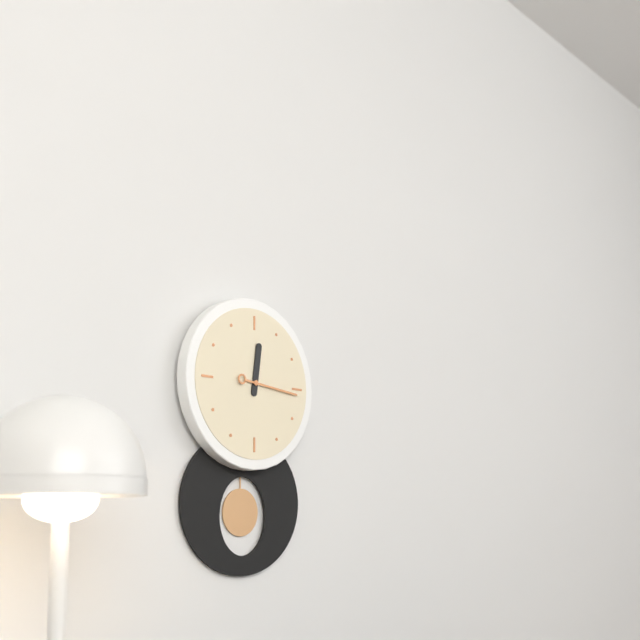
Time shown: 12:16
